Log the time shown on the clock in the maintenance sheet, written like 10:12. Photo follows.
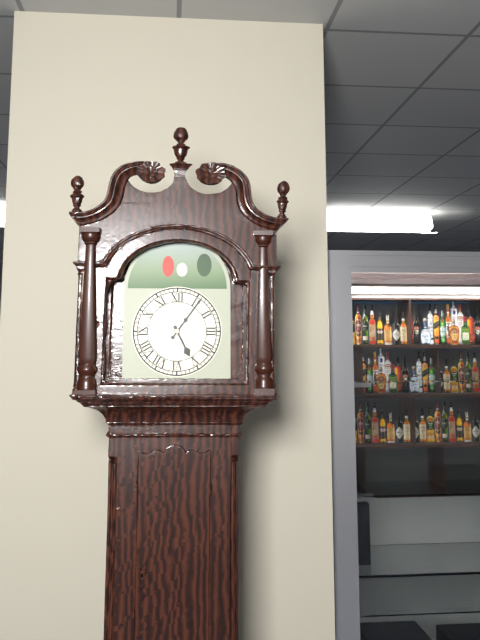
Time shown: 5:06
